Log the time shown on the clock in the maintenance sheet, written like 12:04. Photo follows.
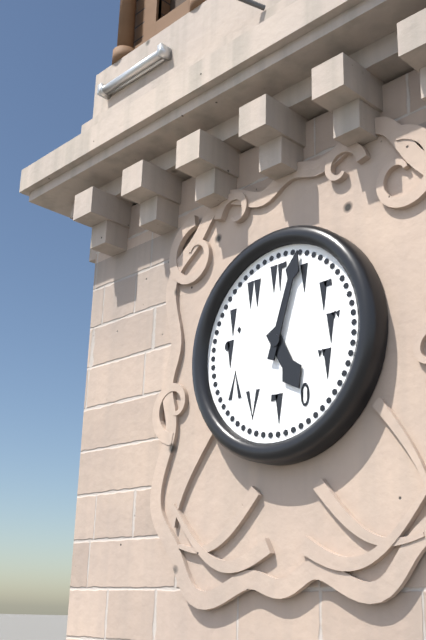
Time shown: 5:03
